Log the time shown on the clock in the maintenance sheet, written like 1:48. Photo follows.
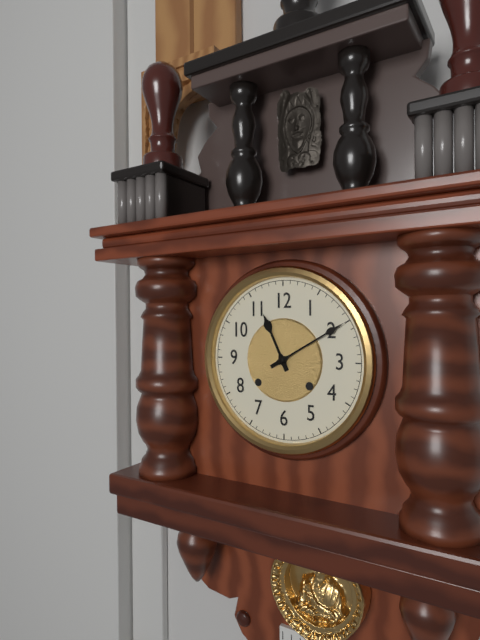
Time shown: 11:10
